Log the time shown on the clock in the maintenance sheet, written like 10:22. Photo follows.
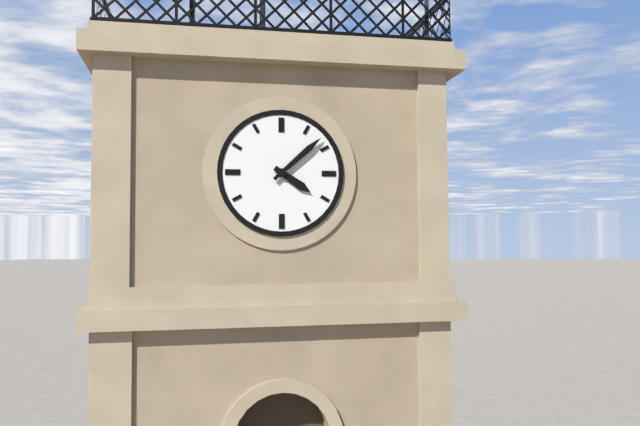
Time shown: 4:08
